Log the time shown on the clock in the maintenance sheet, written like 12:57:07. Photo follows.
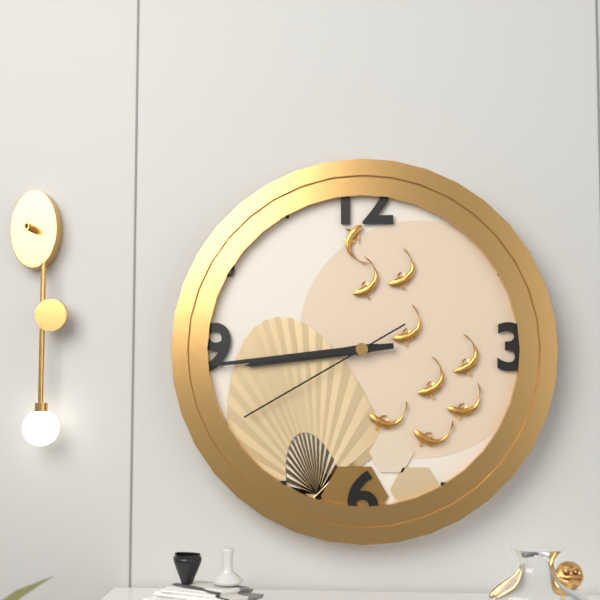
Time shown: 8:44:40
